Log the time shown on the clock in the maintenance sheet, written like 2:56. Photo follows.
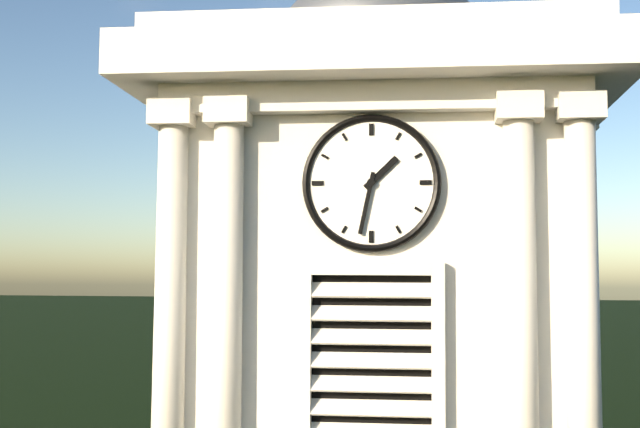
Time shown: 1:32
